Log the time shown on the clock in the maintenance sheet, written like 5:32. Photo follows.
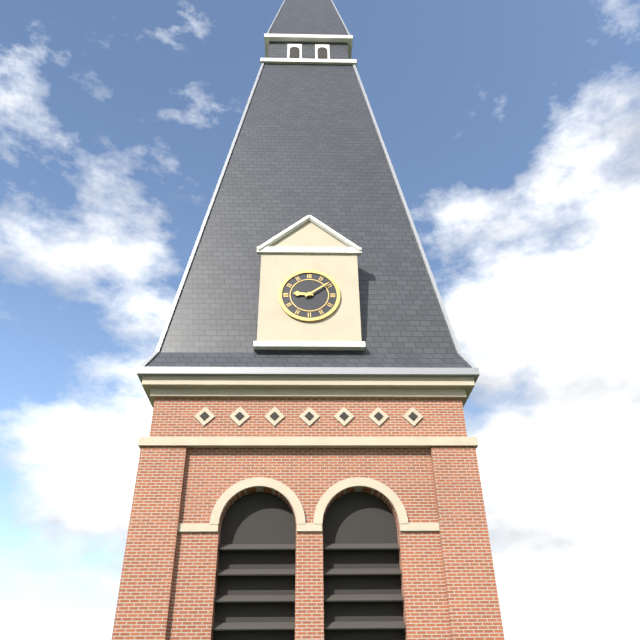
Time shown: 9:09
